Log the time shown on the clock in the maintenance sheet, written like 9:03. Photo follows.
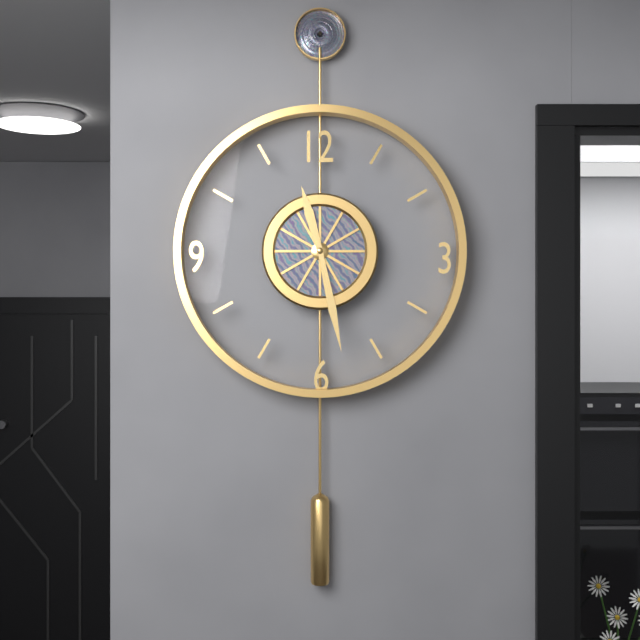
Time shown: 11:28
